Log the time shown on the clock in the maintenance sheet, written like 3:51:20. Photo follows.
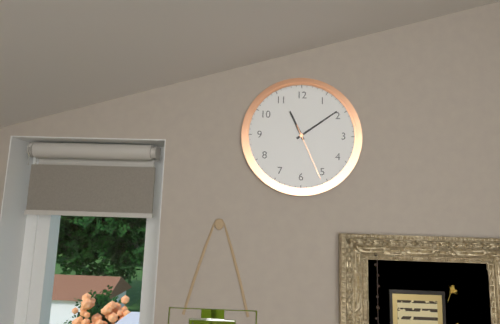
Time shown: 11:09:26
